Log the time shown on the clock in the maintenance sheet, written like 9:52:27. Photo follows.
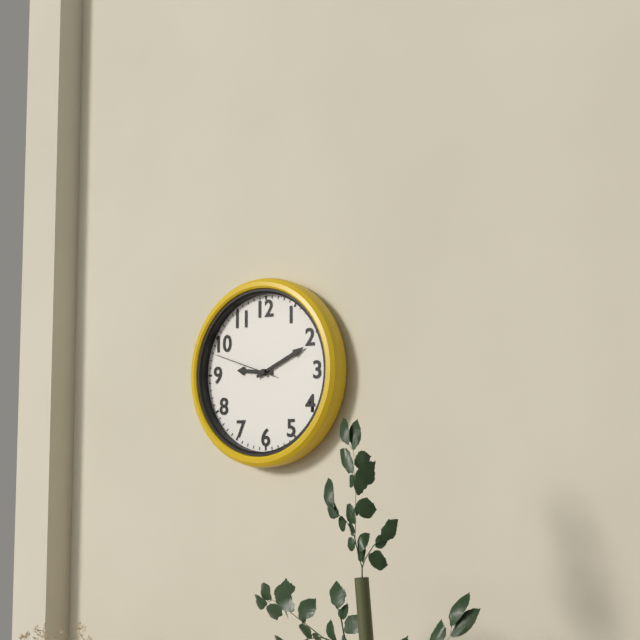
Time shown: 9:11:48
